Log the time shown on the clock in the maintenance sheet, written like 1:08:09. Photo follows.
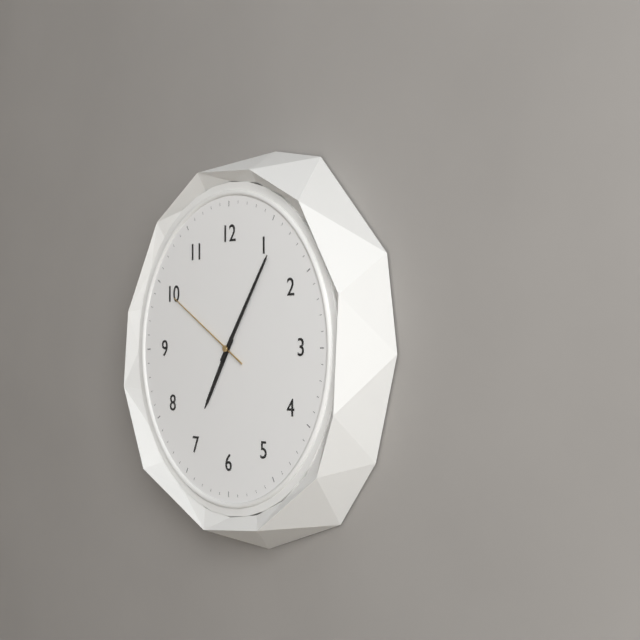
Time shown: 7:06:50
